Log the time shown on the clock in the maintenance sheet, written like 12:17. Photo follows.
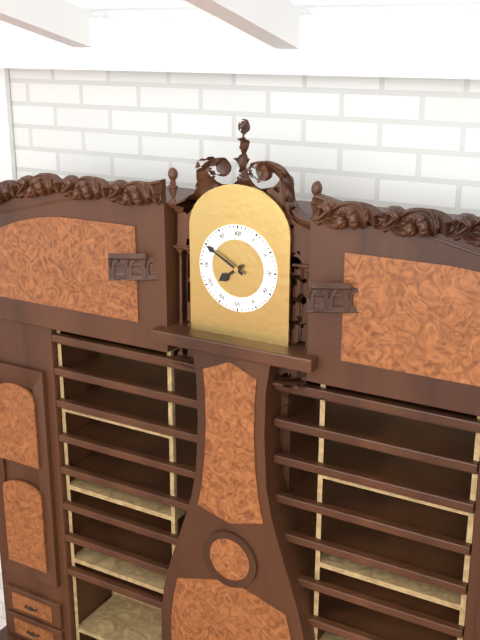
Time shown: 7:50
